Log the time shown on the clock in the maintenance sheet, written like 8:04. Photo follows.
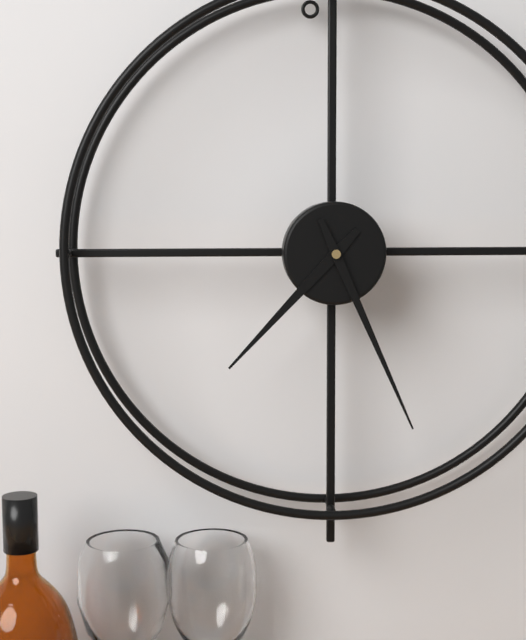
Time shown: 7:26
